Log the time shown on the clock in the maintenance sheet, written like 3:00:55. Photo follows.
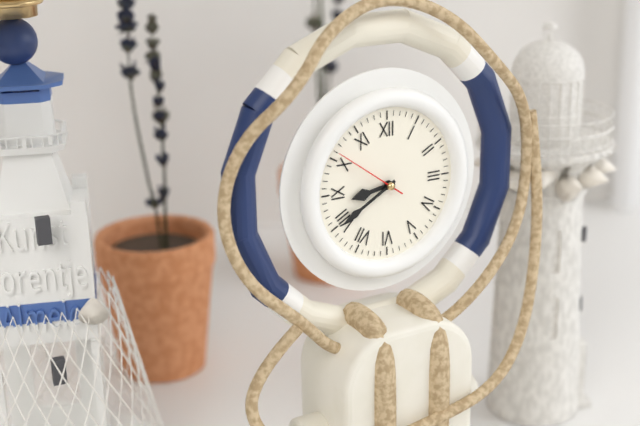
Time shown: 8:40:51
